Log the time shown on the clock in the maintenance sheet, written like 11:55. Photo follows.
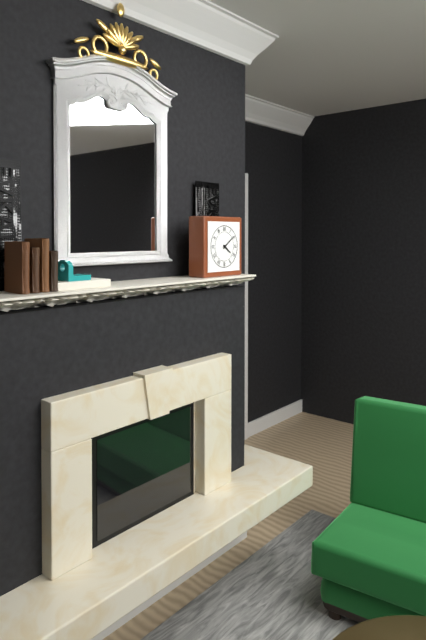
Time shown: 4:09
